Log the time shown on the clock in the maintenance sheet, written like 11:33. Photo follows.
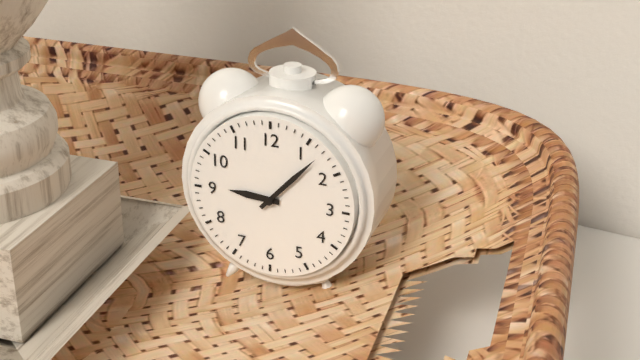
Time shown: 9:07
